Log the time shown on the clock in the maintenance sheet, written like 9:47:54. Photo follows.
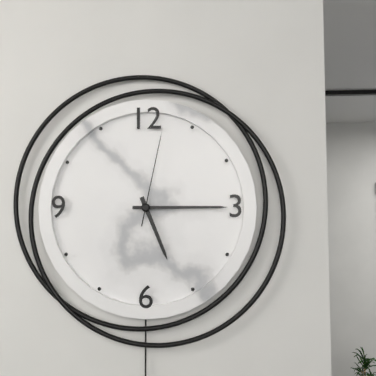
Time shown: 5:15:02
